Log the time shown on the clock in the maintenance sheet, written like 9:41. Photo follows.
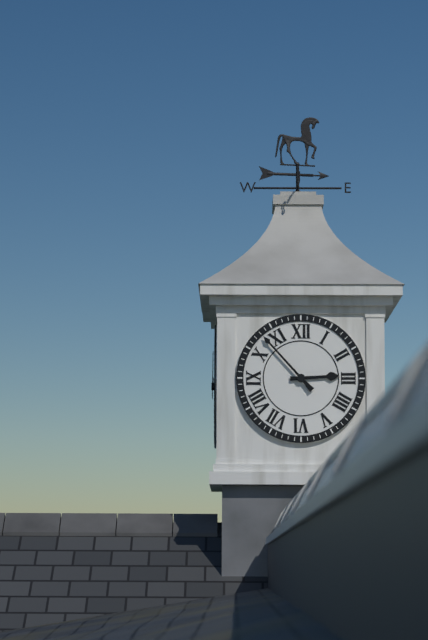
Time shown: 2:53
